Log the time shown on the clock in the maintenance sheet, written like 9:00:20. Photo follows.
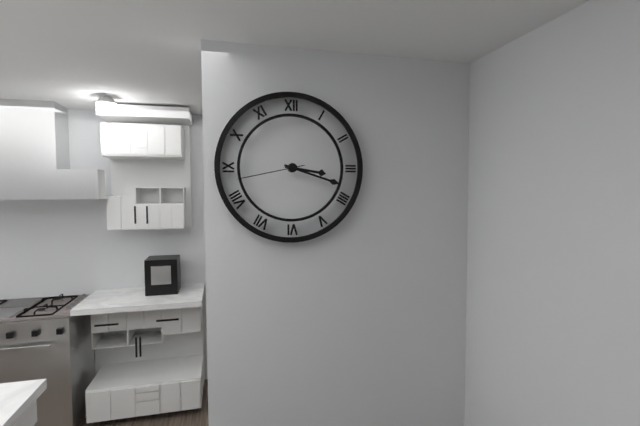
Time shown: 3:18:43
